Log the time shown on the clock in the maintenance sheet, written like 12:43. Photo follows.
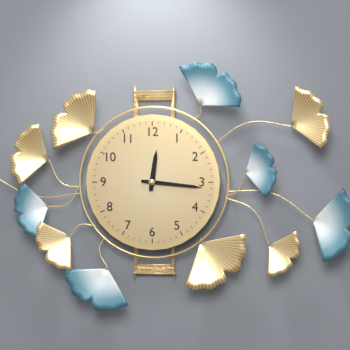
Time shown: 12:16
